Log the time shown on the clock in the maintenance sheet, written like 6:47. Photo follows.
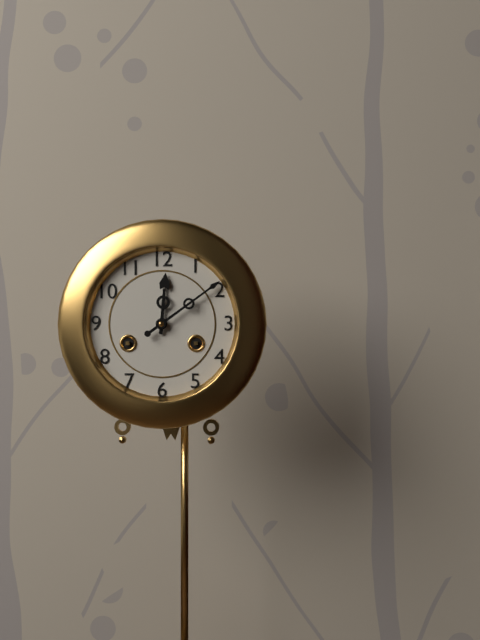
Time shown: 12:09
